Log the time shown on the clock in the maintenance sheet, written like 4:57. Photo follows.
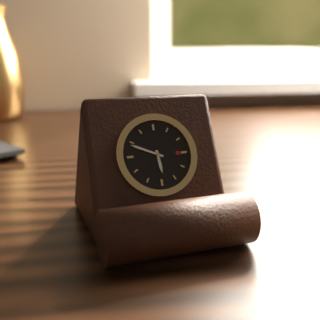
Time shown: 5:49
